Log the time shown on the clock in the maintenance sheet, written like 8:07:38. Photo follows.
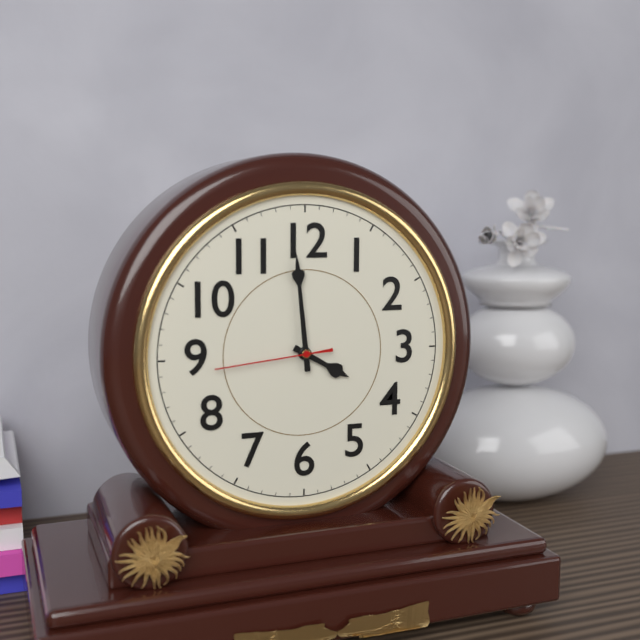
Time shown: 3:59:44
